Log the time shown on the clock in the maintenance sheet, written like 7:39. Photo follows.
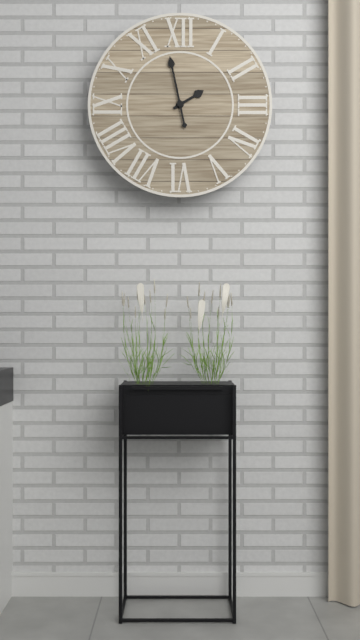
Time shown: 1:58
